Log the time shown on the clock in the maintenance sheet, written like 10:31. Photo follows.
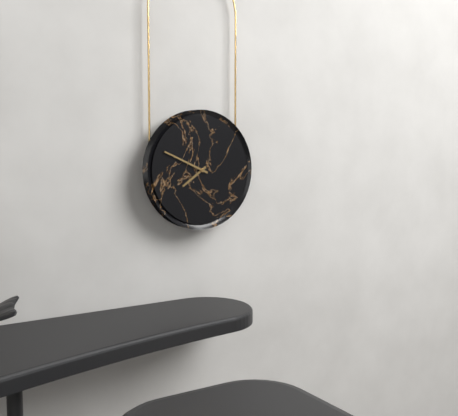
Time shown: 7:49
